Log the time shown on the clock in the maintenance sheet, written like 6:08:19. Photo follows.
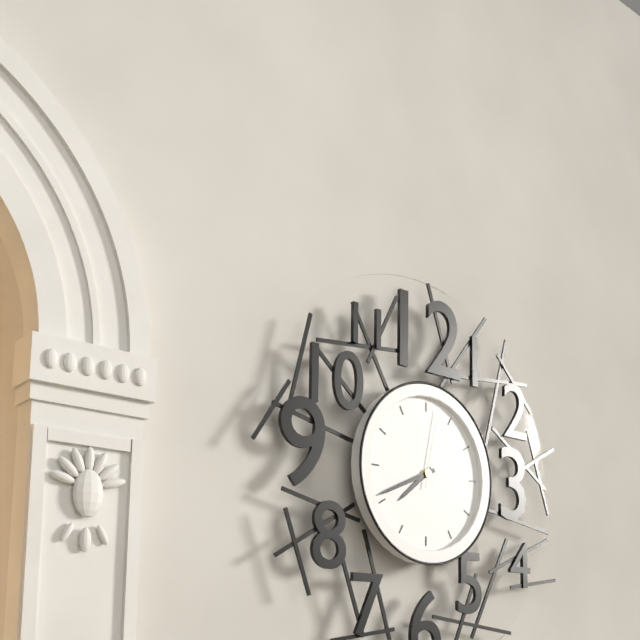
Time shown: 7:41:02
